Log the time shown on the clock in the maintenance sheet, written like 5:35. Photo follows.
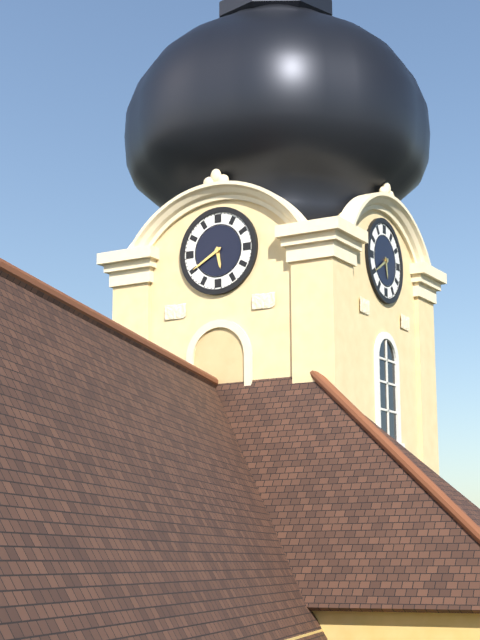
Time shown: 5:40
